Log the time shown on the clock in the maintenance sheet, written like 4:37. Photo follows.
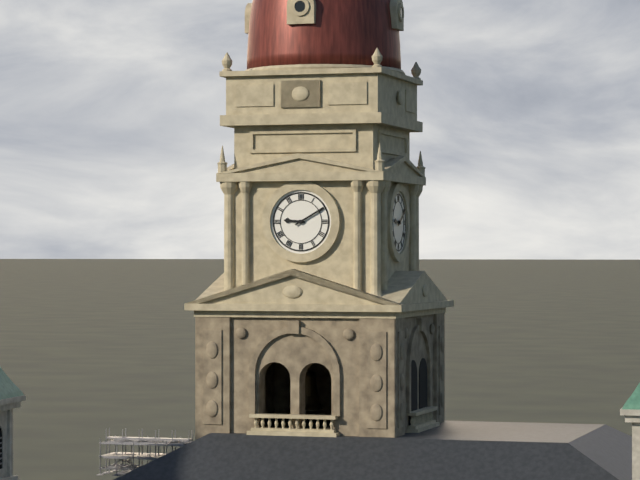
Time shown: 9:10
